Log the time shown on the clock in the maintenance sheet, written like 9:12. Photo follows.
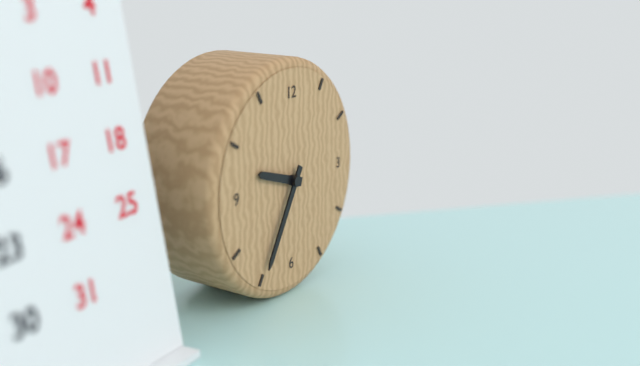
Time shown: 9:35
